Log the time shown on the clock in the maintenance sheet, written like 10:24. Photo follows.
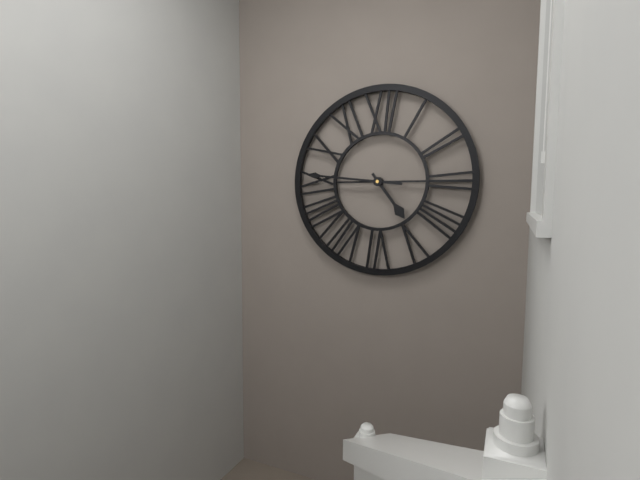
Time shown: 4:46
